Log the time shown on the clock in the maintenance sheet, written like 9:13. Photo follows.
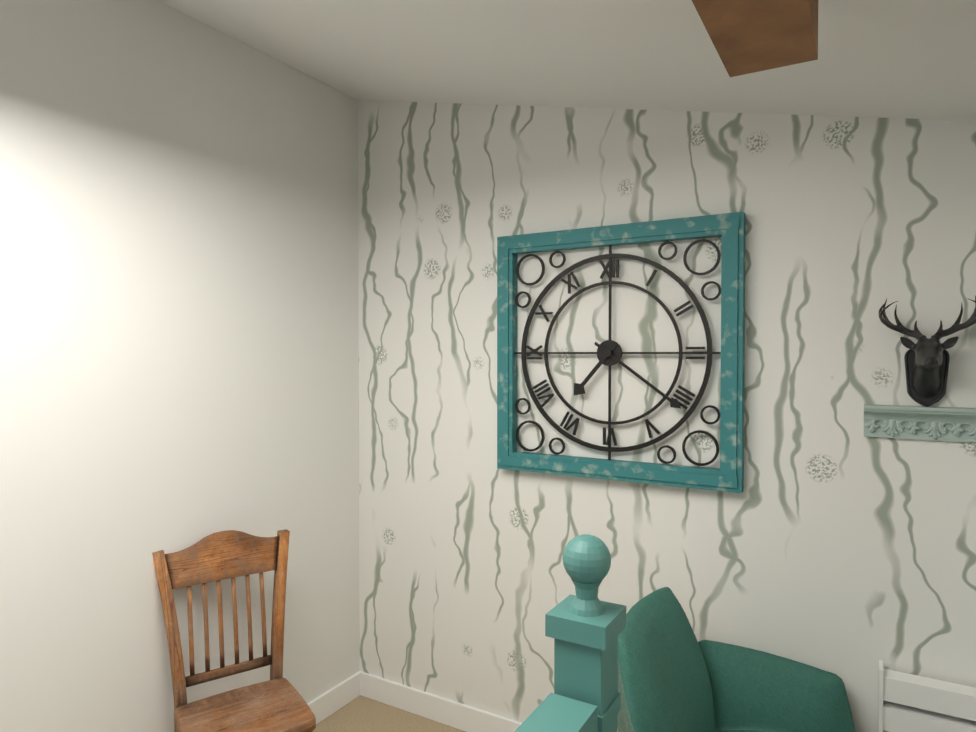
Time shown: 7:21
